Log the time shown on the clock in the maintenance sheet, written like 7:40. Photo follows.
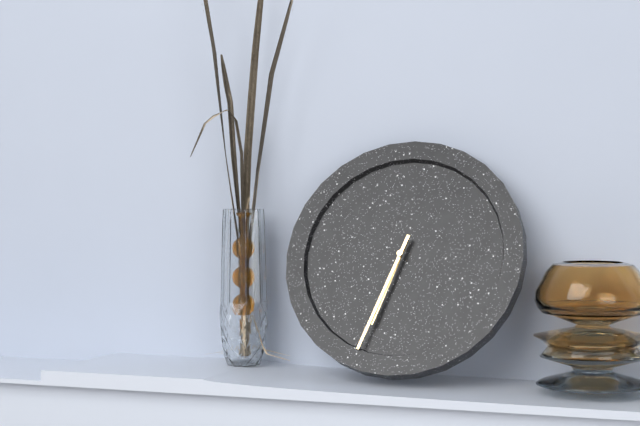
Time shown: 6:33
